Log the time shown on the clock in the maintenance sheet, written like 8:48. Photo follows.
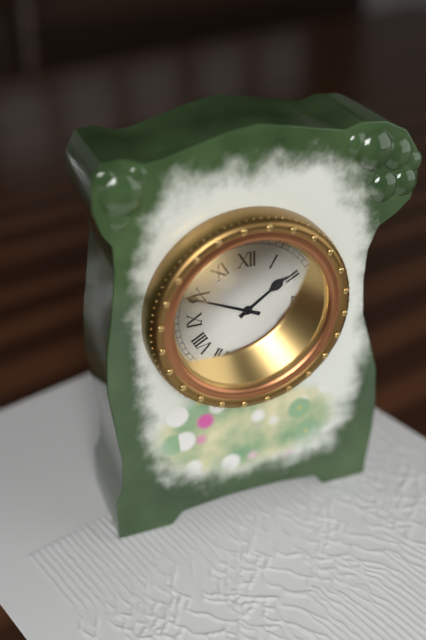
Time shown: 1:49
